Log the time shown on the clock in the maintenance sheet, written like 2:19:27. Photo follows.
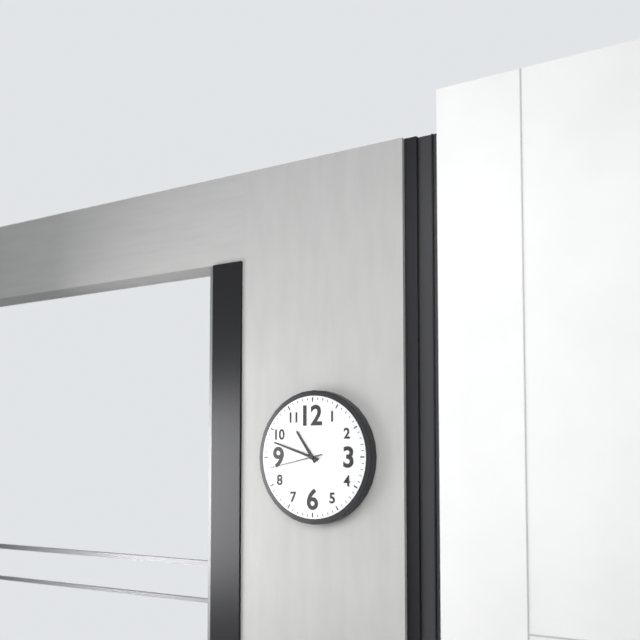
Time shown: 10:48:43
